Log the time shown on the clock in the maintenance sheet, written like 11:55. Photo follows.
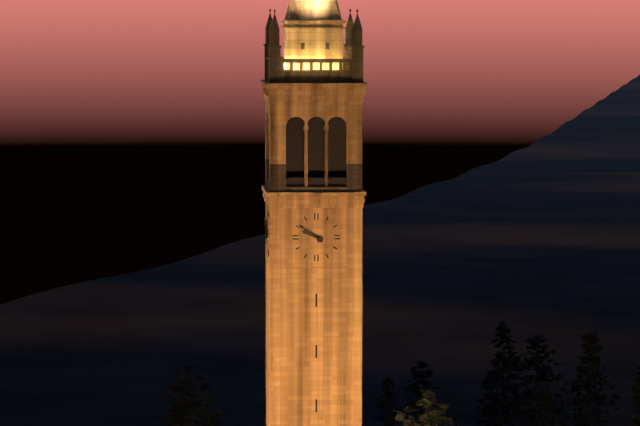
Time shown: 9:51
